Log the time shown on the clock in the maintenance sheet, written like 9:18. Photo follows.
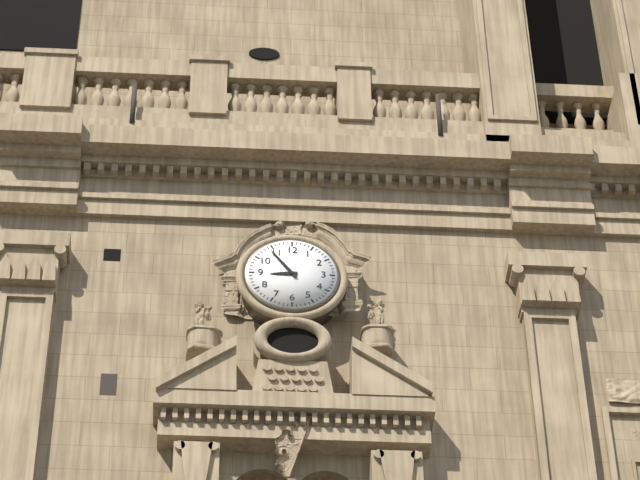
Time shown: 8:54
